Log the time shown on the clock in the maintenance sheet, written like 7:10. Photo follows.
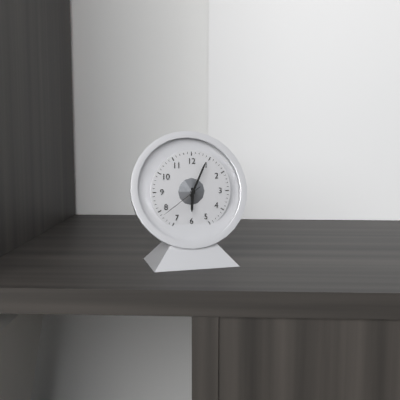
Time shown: 6:04
